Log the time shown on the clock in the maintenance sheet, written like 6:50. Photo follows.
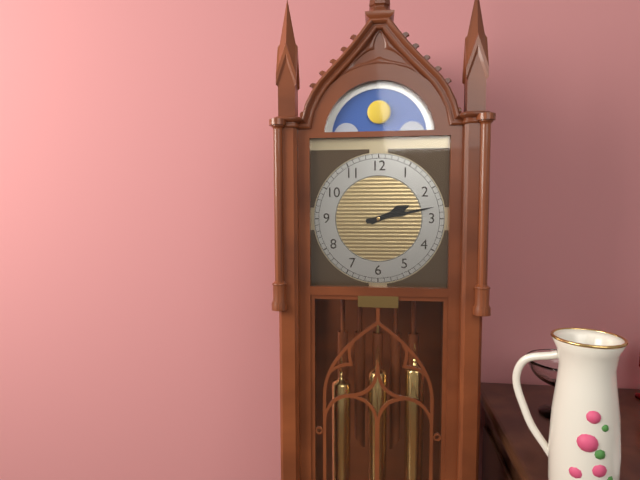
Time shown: 2:13
